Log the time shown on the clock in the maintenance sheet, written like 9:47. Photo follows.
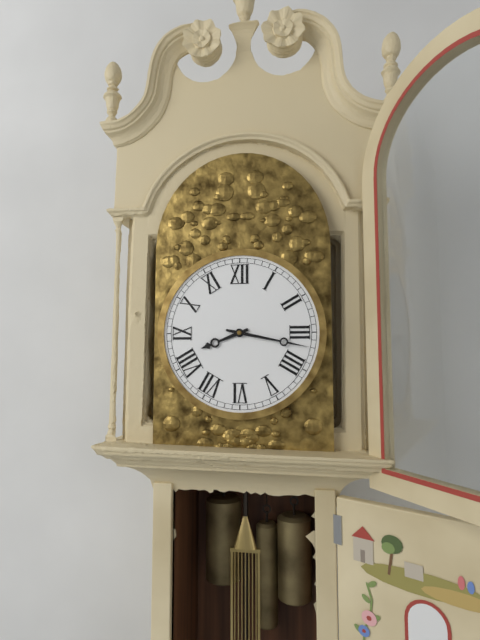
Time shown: 8:17
